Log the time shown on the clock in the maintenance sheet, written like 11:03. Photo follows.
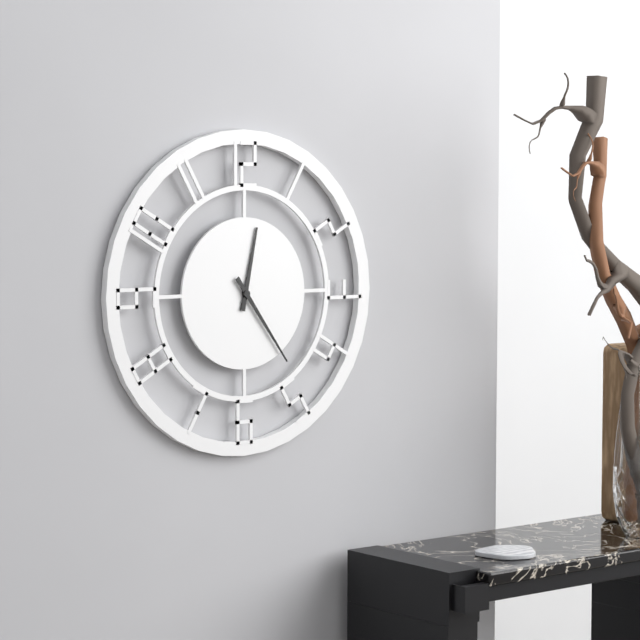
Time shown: 12:24
